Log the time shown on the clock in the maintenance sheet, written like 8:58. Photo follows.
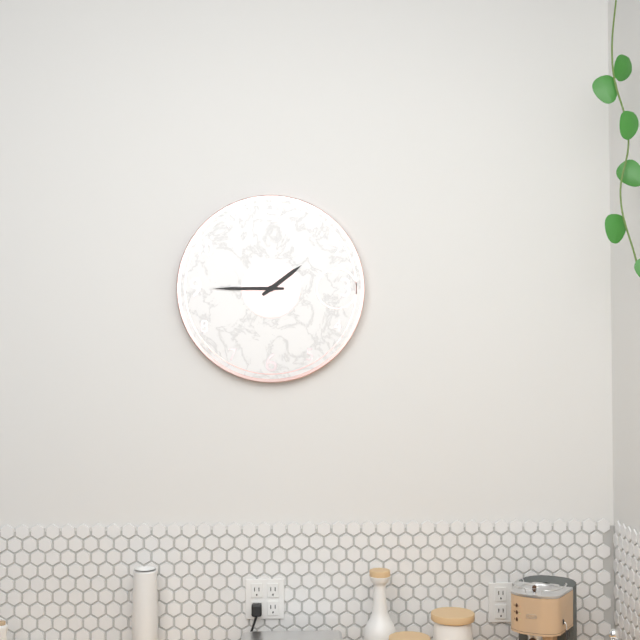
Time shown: 1:45
